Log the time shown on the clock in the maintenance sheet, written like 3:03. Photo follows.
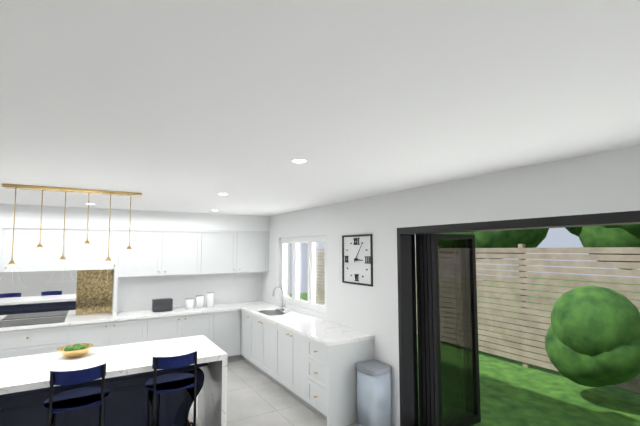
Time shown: 3:06
